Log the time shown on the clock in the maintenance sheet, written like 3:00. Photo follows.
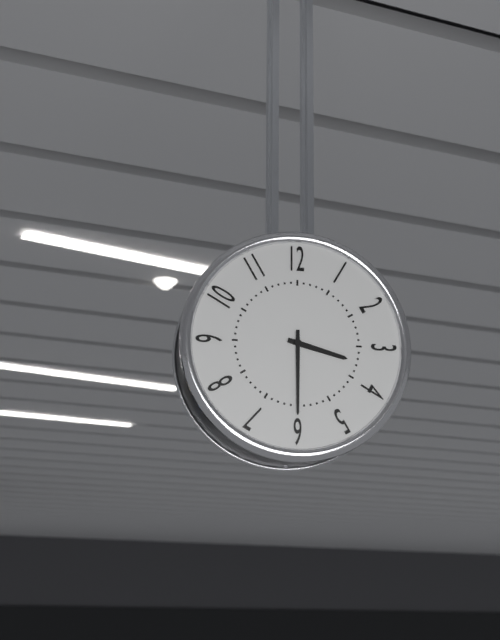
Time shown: 3:30
